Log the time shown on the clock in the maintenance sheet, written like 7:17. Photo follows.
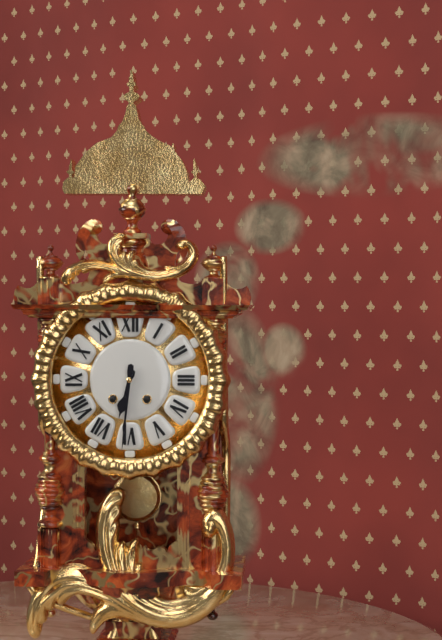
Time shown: 6:31
